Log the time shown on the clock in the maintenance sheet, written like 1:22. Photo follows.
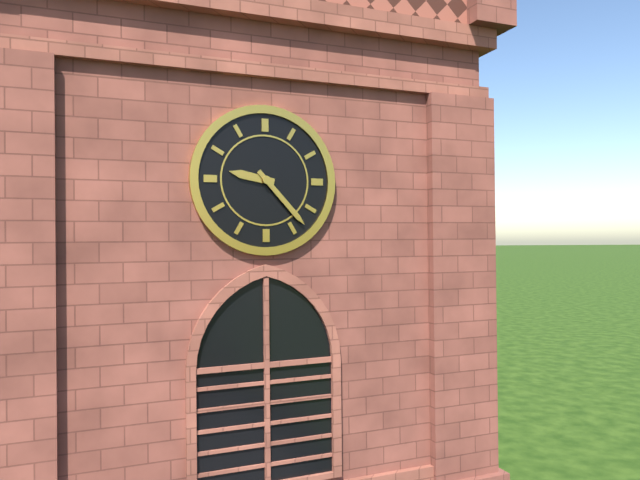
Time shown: 9:23
